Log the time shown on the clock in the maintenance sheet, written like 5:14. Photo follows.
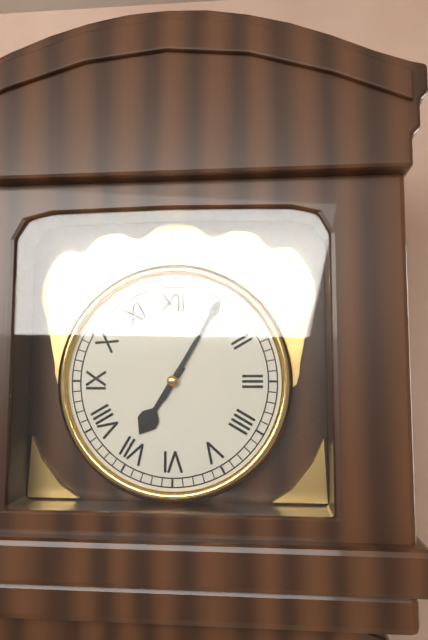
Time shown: 7:05
